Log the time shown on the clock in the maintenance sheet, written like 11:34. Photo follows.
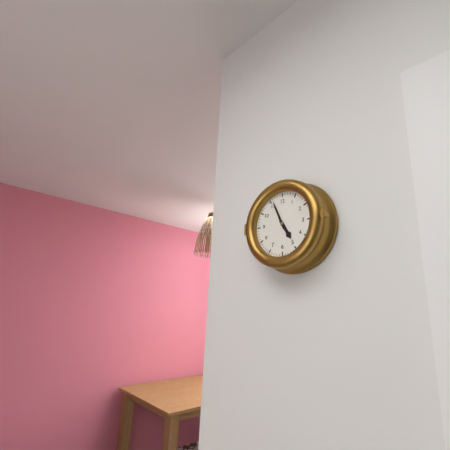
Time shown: 4:56
